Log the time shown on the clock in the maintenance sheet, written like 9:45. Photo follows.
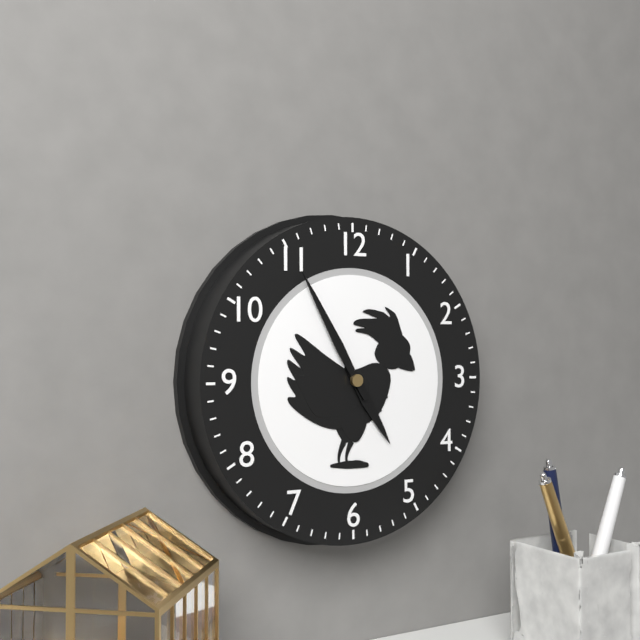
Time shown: 4:55
